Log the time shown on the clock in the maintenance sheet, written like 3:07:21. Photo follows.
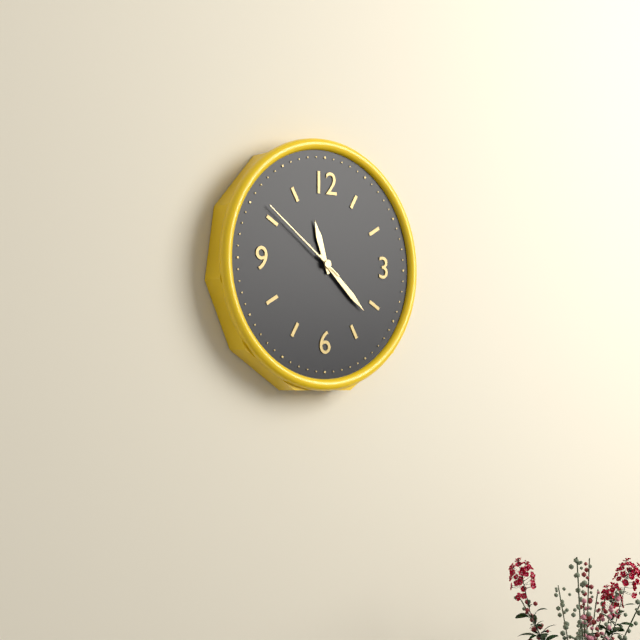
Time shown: 11:22:51
